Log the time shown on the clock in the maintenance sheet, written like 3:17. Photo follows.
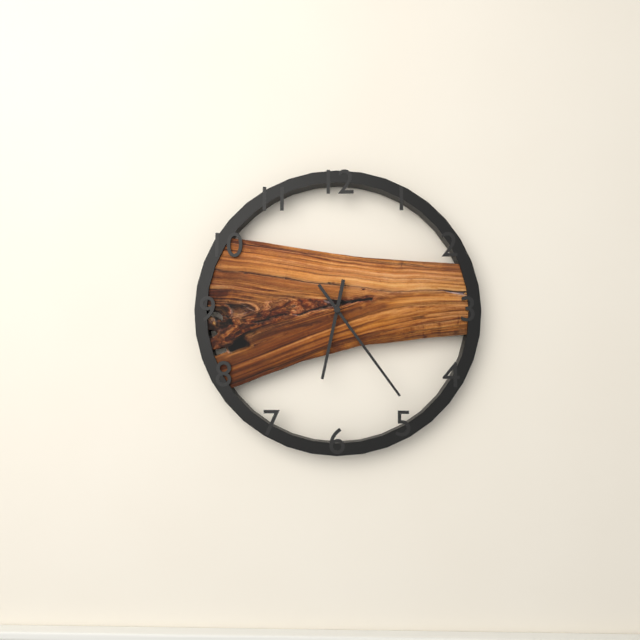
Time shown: 6:24
